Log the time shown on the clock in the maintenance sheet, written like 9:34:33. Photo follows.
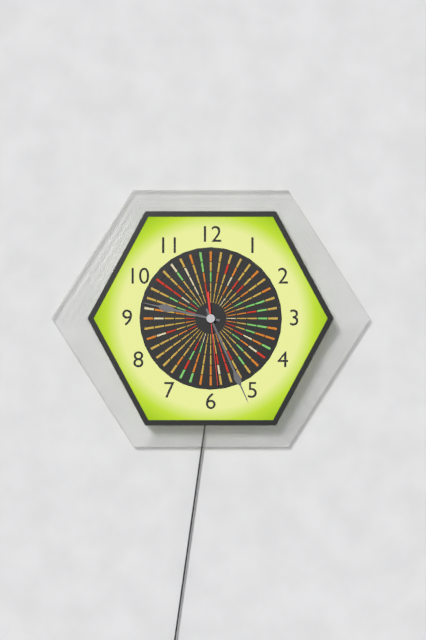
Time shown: 9:26:29
